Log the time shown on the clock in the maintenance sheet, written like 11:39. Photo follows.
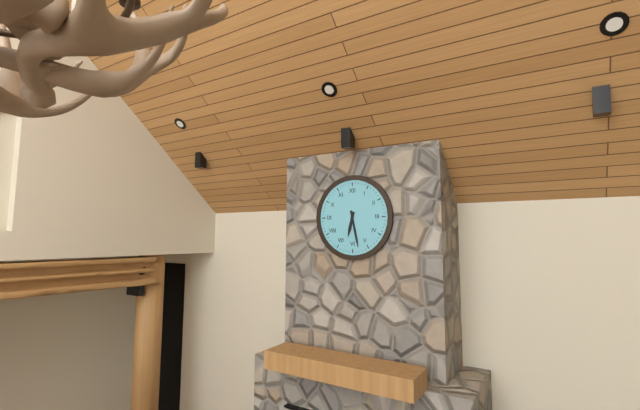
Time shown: 6:28
